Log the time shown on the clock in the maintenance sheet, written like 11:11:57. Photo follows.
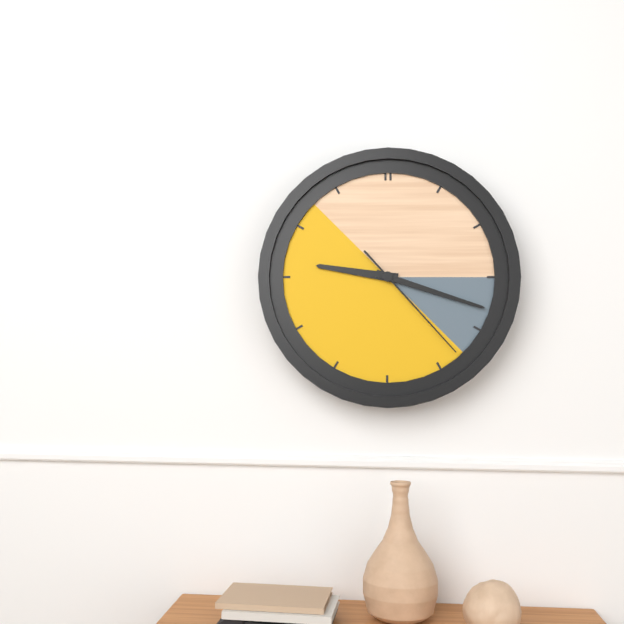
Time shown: 9:18:23
